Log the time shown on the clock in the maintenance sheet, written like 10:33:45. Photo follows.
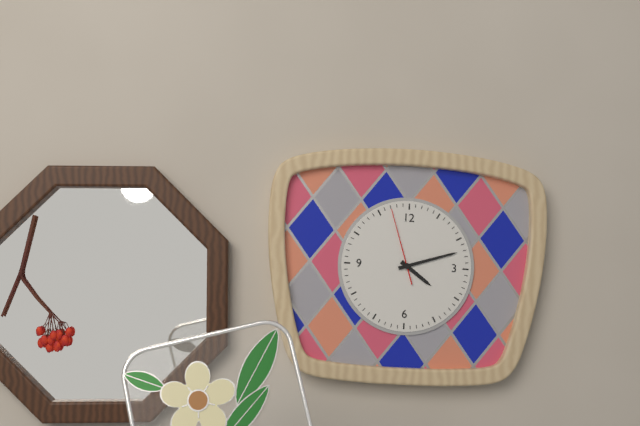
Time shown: 4:12:57
